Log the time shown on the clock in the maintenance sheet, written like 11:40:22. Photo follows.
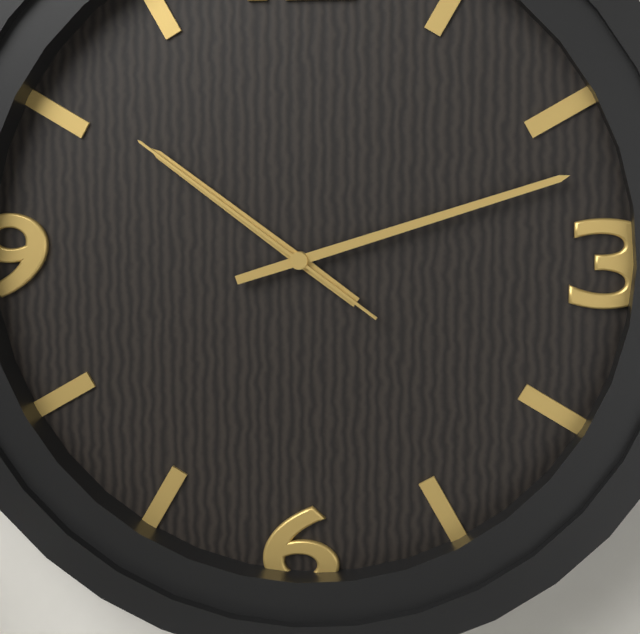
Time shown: 10:12:51
